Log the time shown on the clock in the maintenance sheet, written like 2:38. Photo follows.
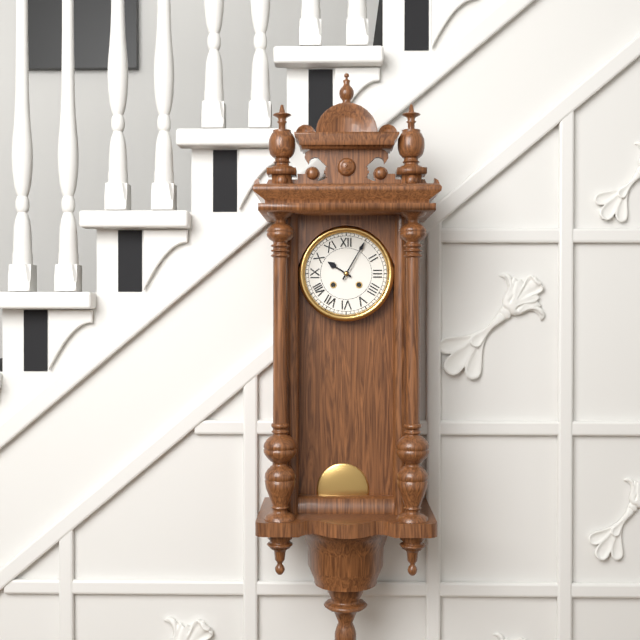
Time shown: 10:05
